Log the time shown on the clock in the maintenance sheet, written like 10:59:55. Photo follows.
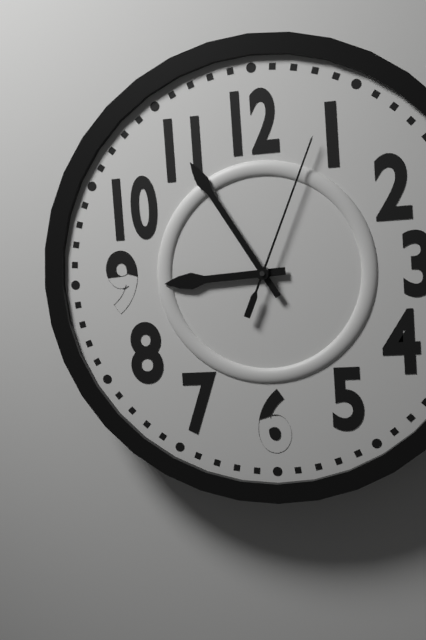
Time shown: 8:55:04
